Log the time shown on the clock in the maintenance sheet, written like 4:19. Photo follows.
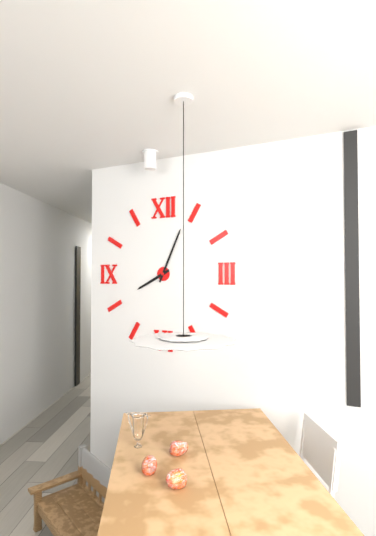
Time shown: 8:04
